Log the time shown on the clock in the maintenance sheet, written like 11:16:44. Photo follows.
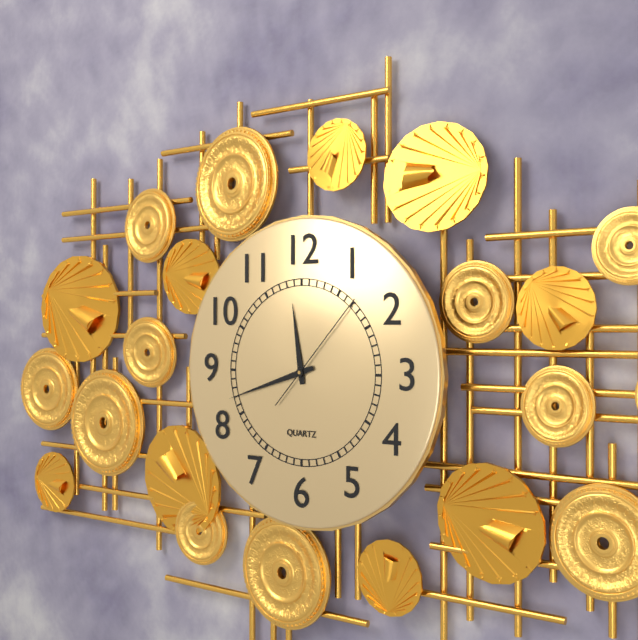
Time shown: 11:42:07
